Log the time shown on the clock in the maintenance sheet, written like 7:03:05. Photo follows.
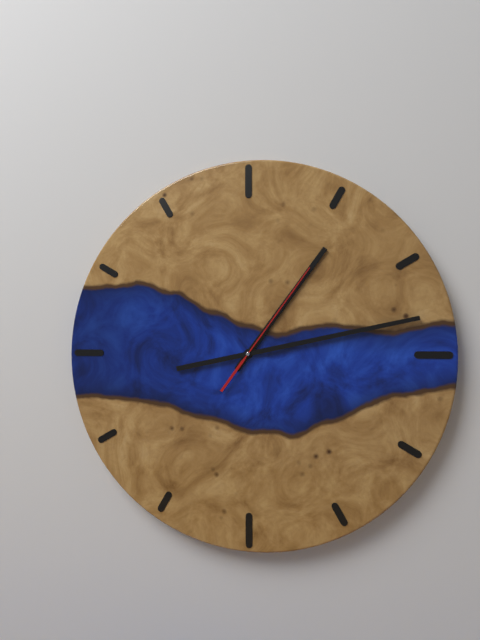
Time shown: 1:13:06
